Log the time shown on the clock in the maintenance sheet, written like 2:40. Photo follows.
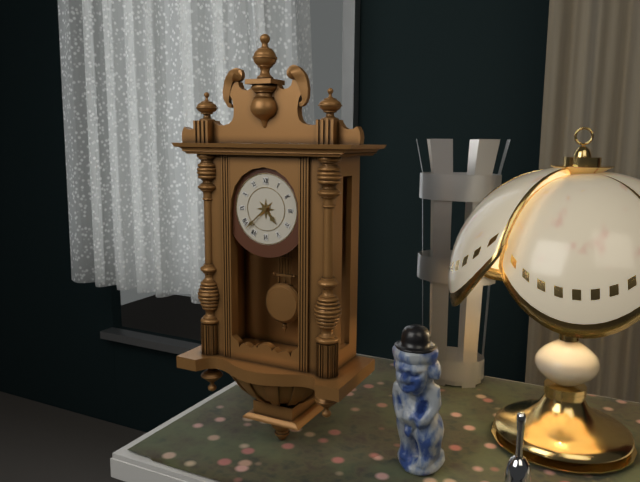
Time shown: 4:38
